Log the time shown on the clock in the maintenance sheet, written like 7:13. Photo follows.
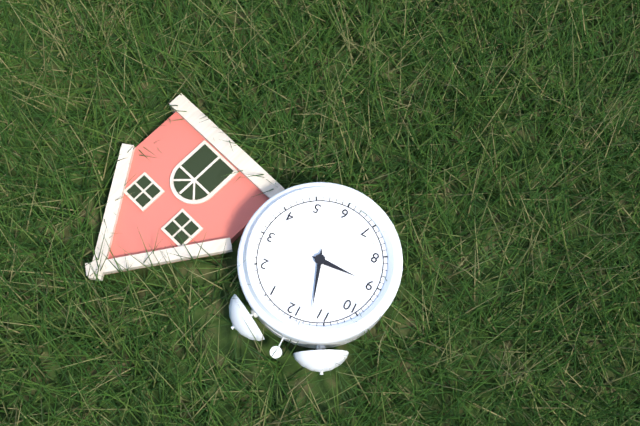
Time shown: 8:57
